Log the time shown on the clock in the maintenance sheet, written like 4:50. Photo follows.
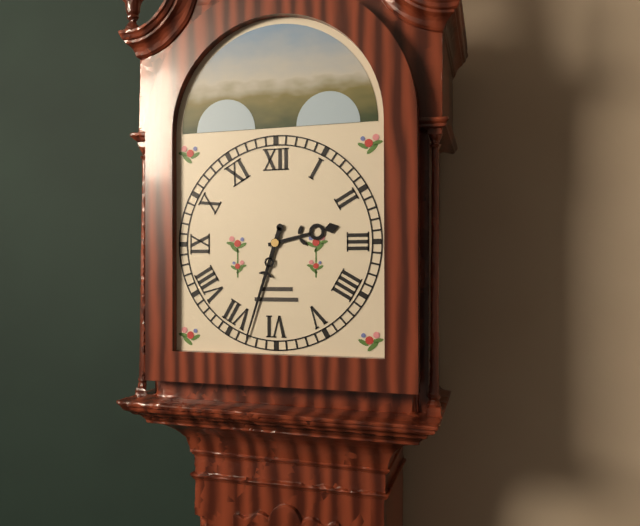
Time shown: 2:33
